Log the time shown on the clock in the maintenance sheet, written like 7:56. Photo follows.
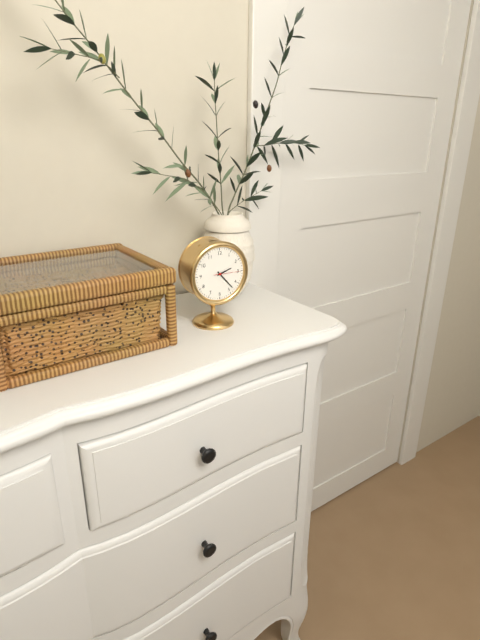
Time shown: 2:23
